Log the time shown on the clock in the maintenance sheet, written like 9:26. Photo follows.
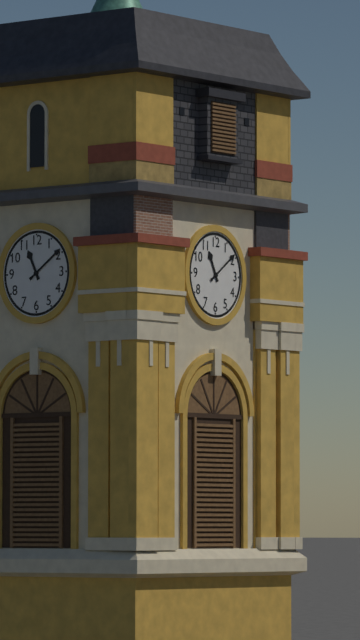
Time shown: 11:09
